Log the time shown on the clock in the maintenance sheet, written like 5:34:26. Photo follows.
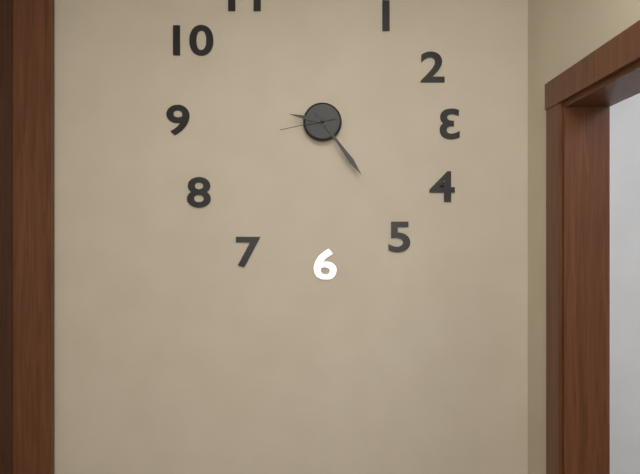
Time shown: 9:24:43
